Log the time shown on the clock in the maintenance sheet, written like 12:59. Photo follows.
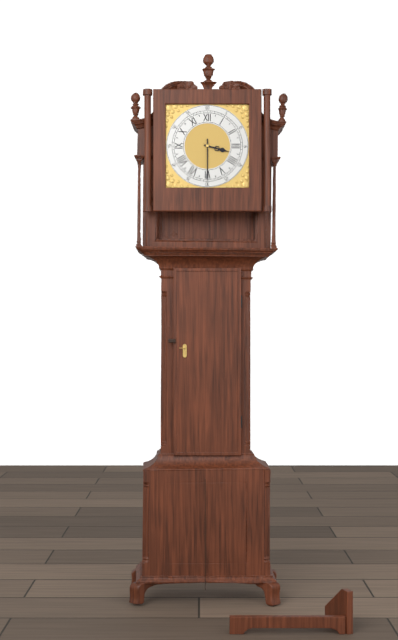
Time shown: 3:30
